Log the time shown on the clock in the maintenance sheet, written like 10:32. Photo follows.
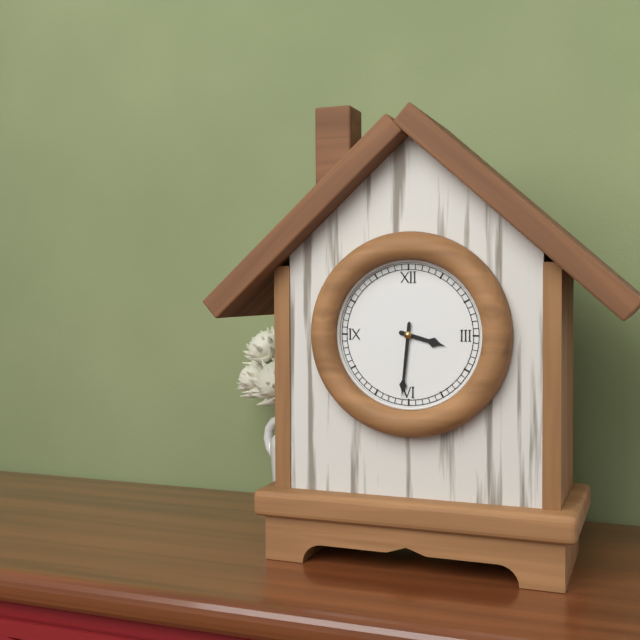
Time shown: 3:31
